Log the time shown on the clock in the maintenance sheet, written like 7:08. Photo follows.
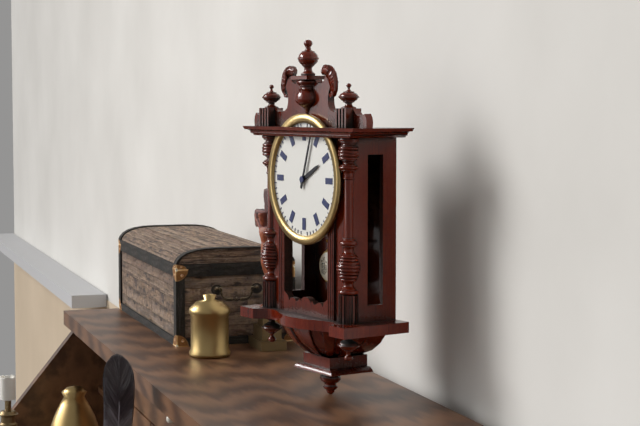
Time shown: 2:03
